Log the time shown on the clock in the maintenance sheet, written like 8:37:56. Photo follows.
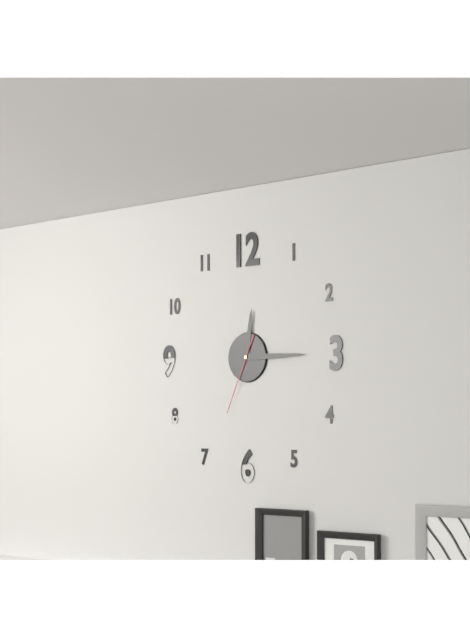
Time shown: 12:15:34
